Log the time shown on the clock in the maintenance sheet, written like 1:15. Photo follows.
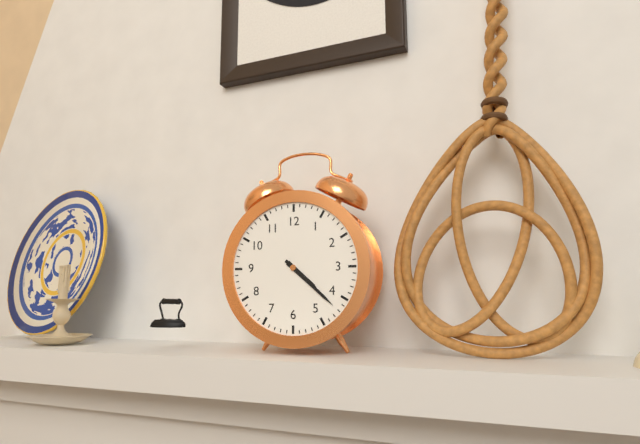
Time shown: 4:22
